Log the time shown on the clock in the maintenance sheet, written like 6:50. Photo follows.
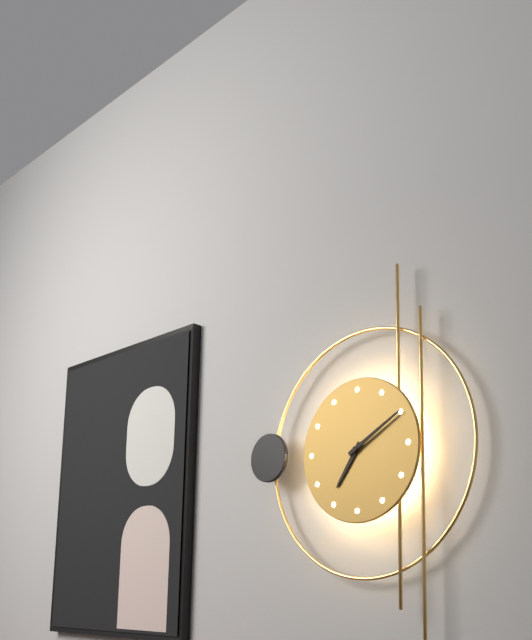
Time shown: 7:10
